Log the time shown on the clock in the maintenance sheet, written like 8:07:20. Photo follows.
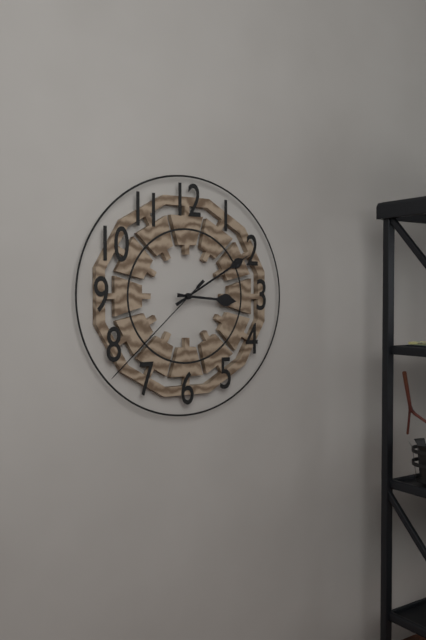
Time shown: 3:10:38
